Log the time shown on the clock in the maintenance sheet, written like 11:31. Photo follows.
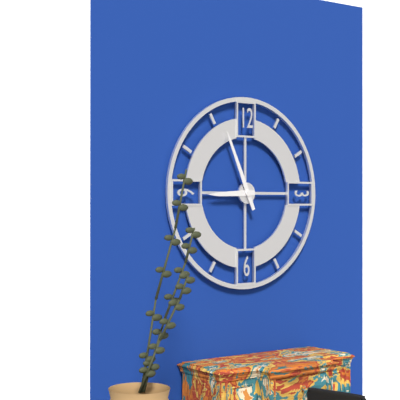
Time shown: 8:56
